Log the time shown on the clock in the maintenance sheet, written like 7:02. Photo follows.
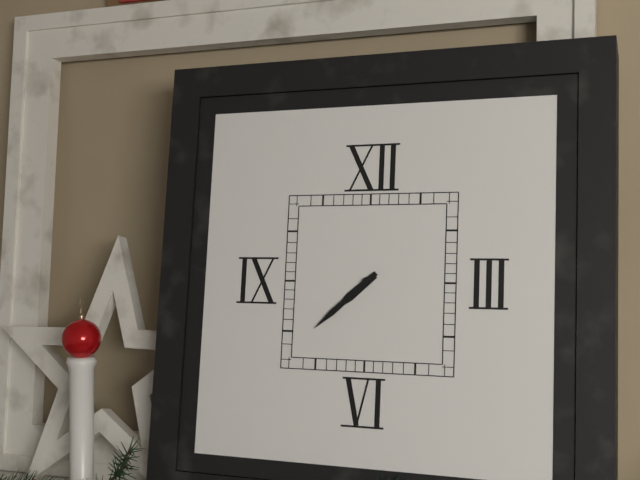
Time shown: 7:38
